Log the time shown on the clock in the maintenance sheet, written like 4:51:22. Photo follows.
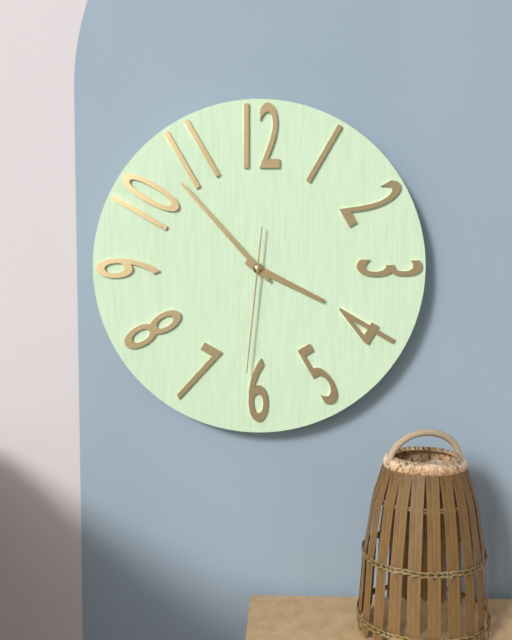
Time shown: 3:53:31
